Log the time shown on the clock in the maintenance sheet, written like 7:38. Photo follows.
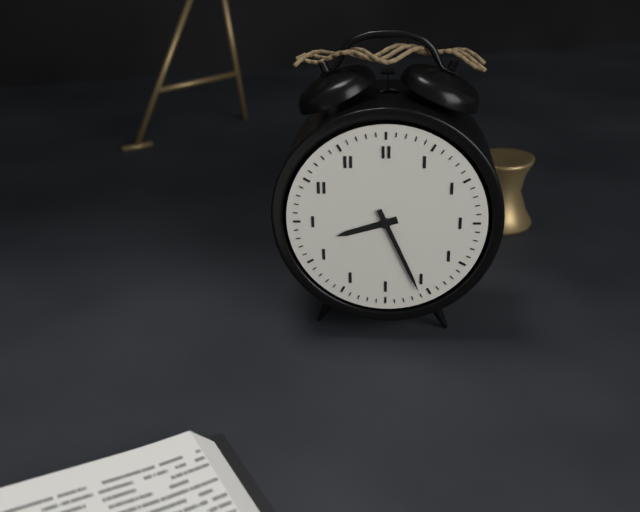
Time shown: 8:26
